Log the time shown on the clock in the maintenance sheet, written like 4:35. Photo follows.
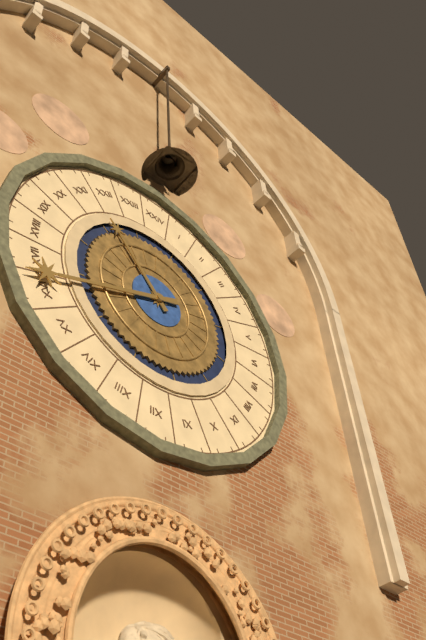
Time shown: 10:41
